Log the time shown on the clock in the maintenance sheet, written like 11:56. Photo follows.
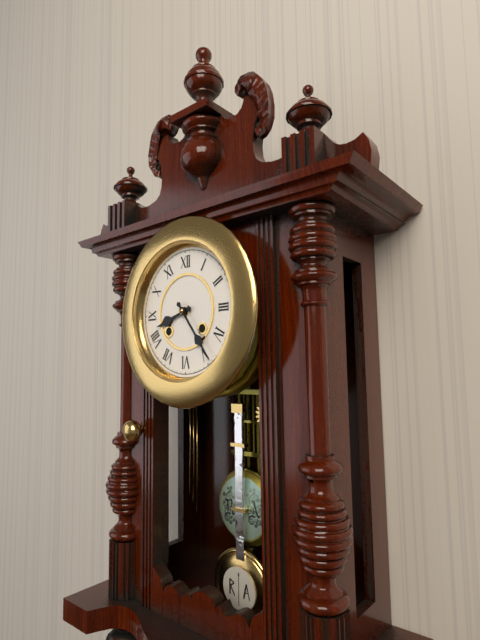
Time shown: 8:24
